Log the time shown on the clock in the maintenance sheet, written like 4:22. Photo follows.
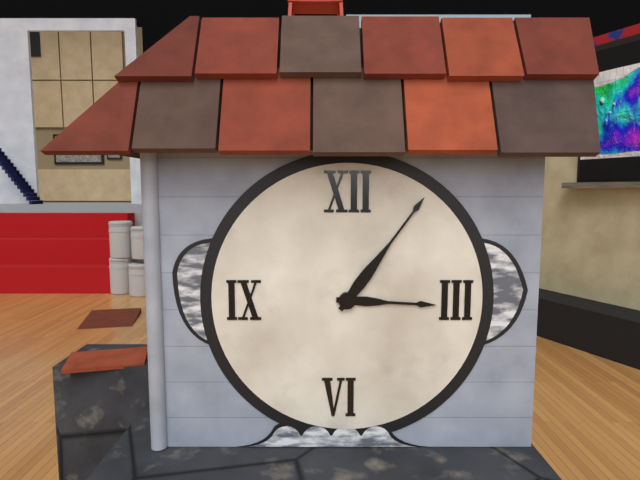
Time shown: 3:06
